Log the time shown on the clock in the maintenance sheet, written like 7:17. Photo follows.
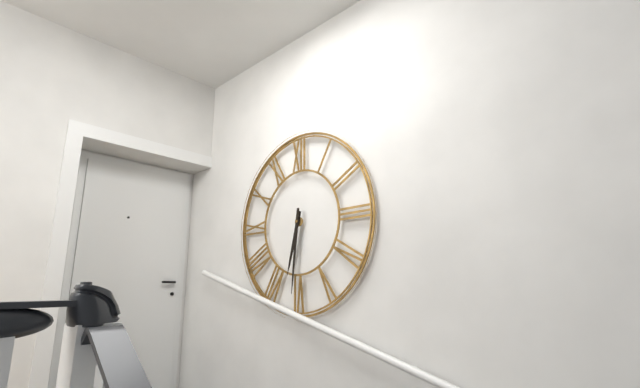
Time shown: 6:31
